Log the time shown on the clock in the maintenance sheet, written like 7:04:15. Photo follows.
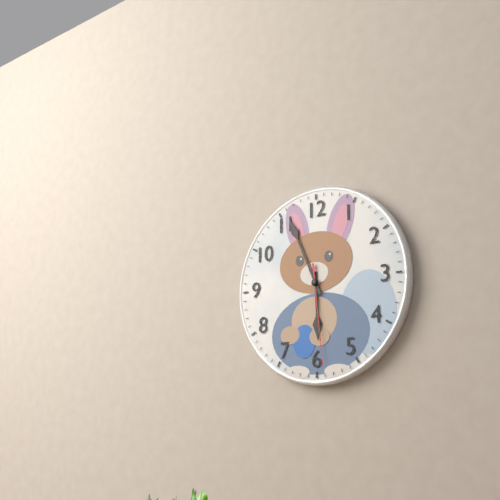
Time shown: 5:56:29
